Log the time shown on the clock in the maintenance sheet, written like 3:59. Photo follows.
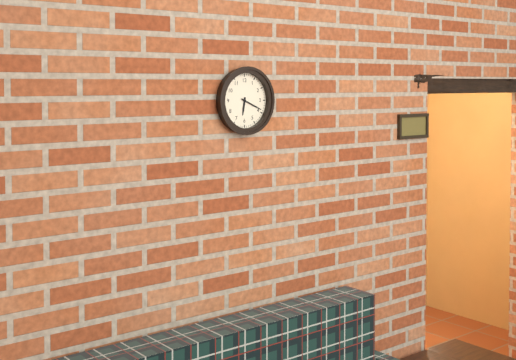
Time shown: 6:19
